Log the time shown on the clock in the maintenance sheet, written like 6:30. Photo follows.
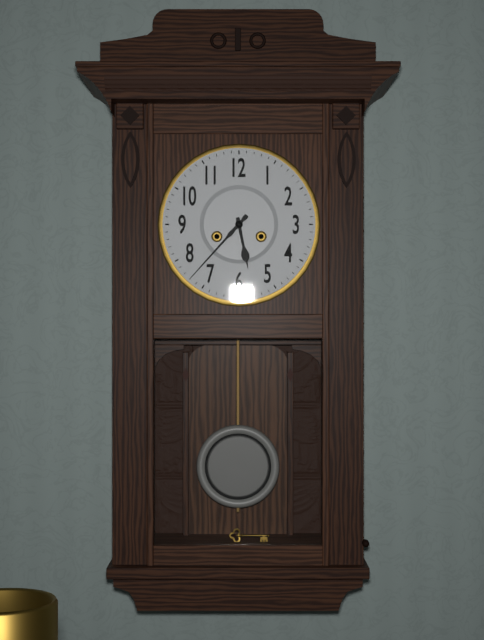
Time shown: 5:37
